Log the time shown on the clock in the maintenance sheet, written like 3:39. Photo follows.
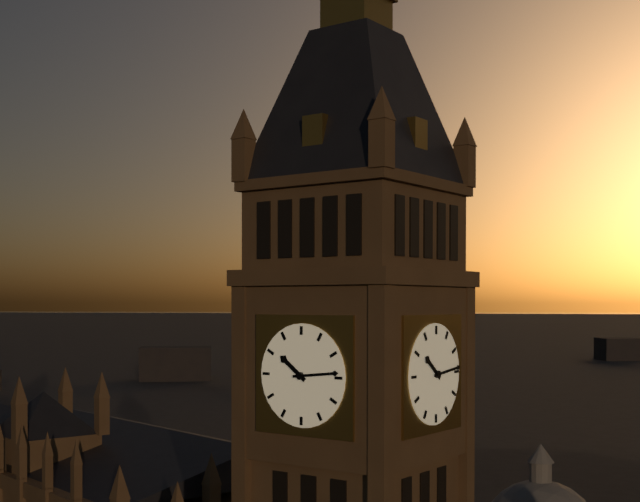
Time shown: 10:14
